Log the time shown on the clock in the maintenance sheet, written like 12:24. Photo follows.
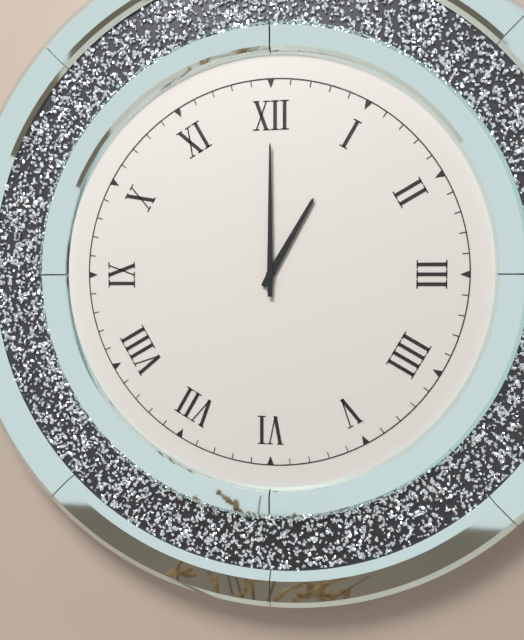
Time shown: 1:00
